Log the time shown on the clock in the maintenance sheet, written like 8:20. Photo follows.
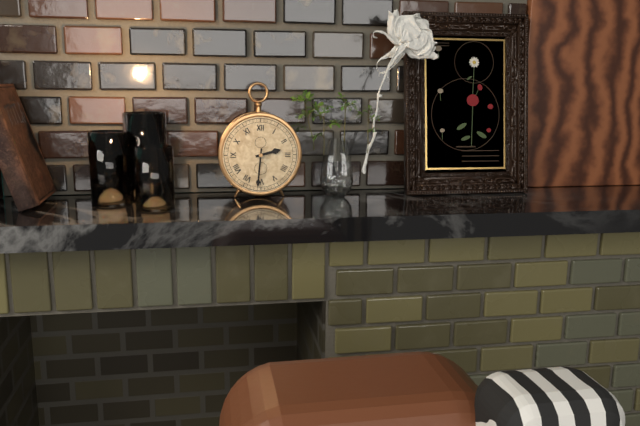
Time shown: 2:31
